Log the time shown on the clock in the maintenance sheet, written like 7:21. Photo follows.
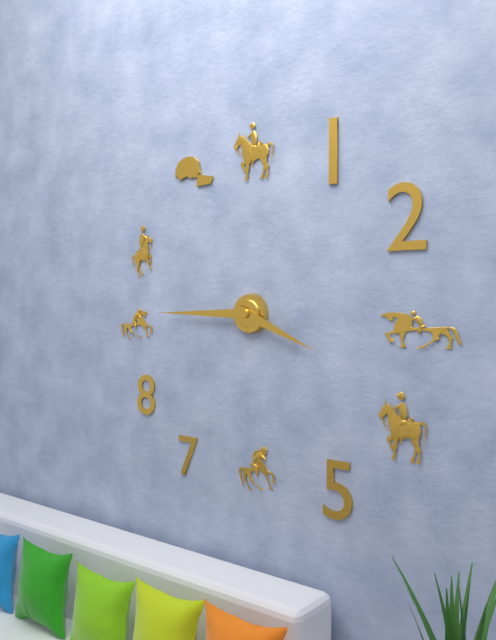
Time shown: 3:45
